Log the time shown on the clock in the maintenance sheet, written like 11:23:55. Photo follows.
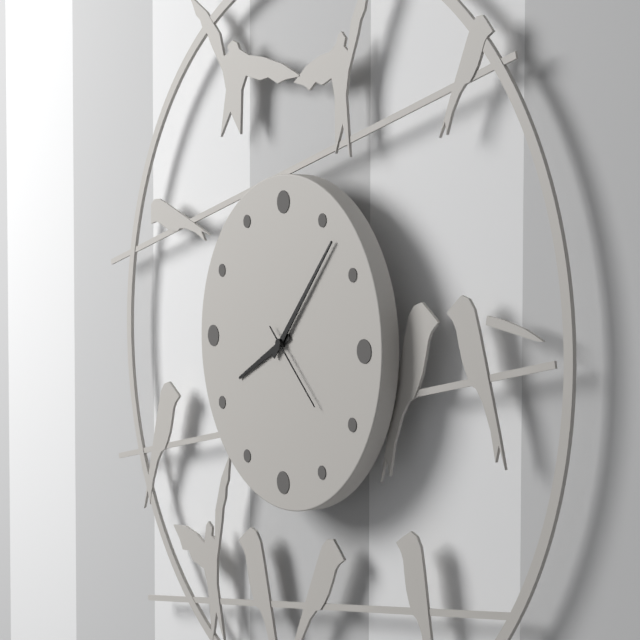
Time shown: 8:07:22
